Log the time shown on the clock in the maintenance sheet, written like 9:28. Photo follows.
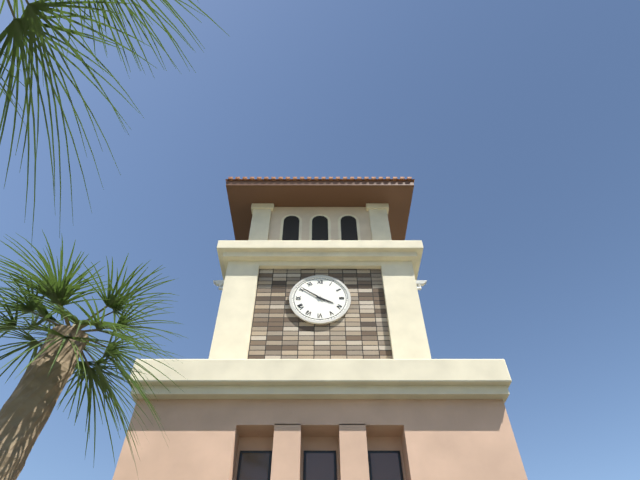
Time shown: 3:51
